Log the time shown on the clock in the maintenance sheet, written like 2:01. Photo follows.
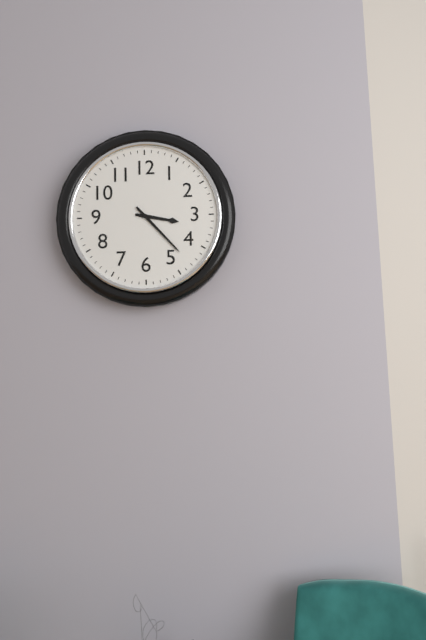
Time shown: 3:23
